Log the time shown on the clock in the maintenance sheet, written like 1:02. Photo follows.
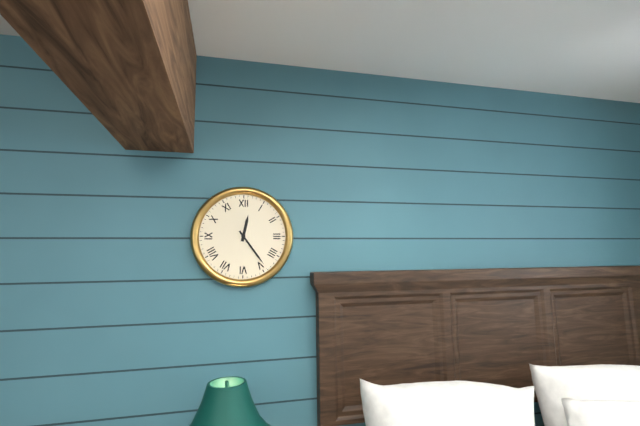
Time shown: 12:24
